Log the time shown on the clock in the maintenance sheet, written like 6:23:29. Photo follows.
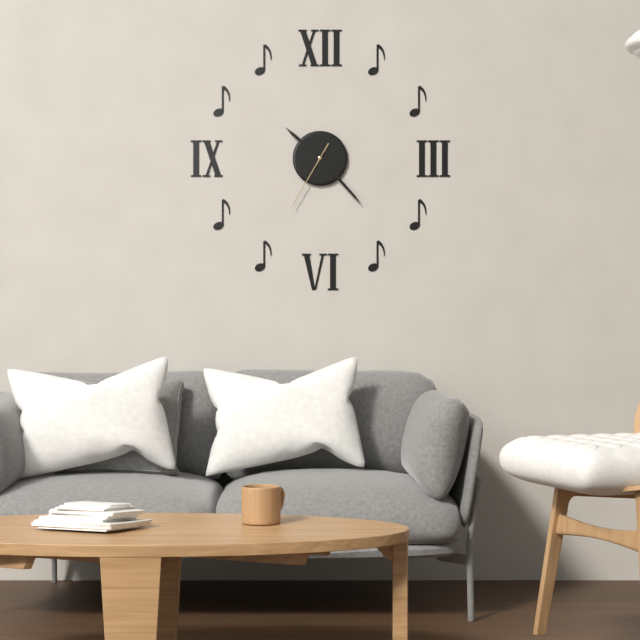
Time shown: 10:23:35
